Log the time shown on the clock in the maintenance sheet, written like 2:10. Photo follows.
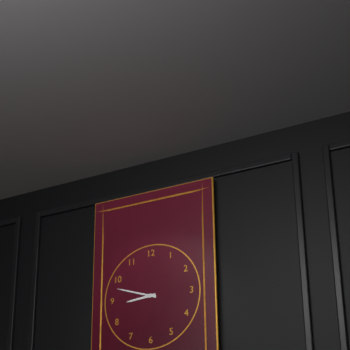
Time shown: 8:48
